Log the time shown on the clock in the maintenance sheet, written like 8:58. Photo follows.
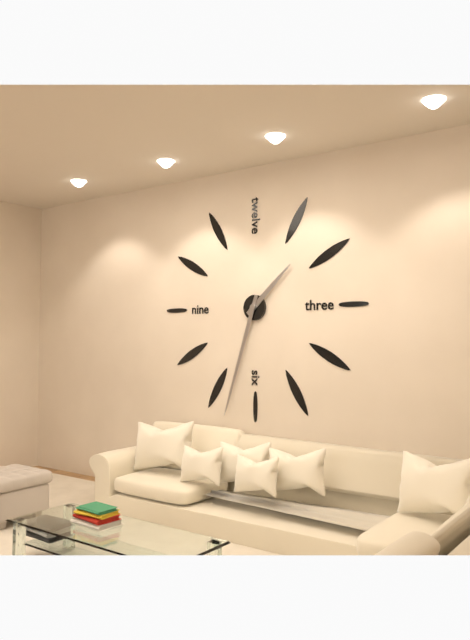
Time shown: 1:33
